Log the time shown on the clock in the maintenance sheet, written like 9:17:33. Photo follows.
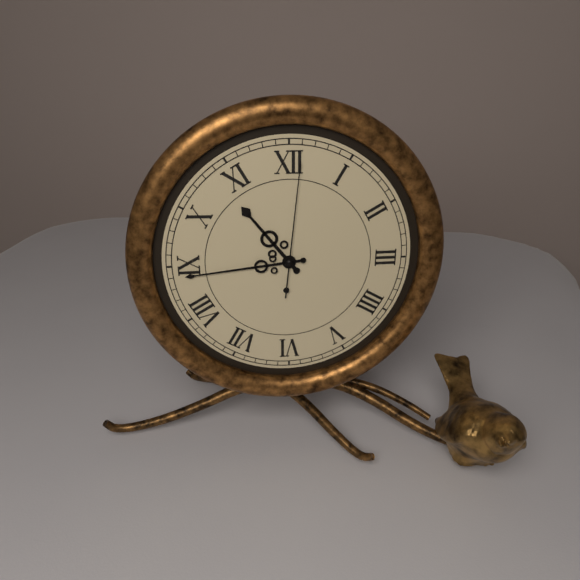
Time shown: 10:44:01
